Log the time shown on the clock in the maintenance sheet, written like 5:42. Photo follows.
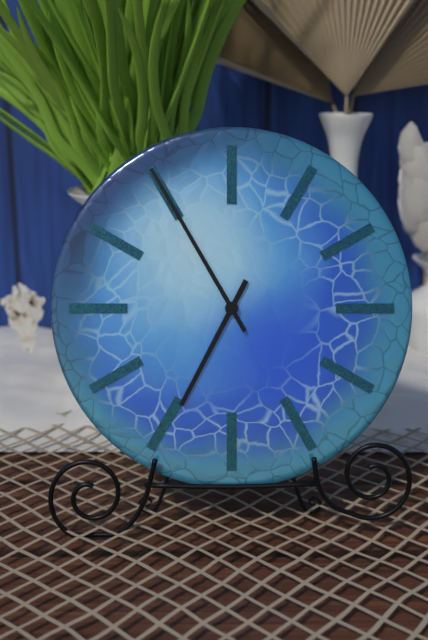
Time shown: 6:55
